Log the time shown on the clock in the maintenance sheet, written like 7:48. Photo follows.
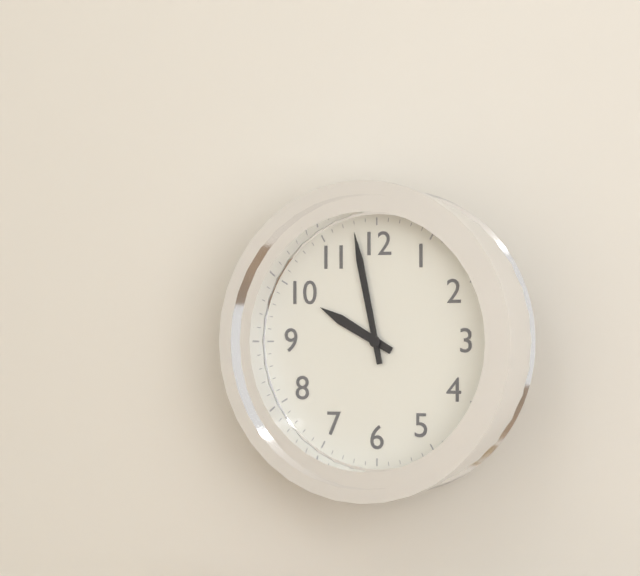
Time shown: 9:58
